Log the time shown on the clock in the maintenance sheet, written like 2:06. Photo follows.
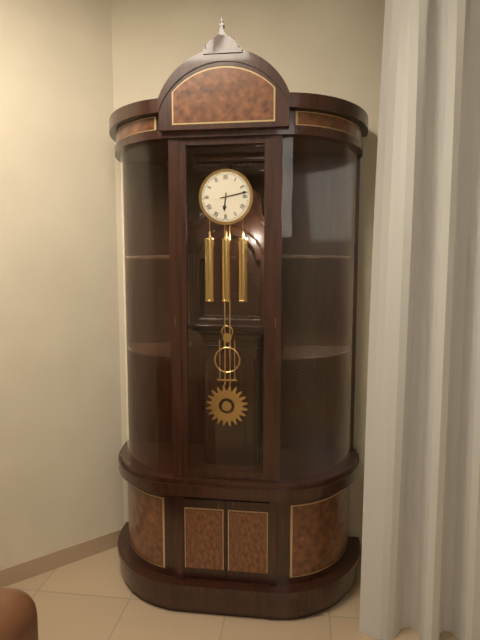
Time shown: 6:13
